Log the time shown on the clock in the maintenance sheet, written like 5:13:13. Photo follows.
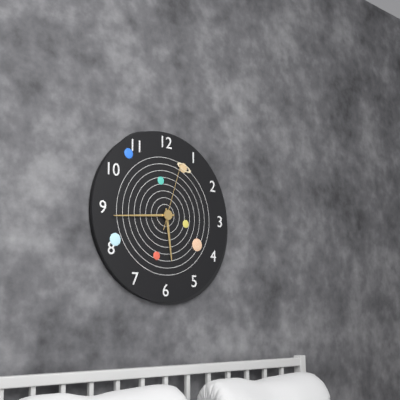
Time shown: 5:44:03
